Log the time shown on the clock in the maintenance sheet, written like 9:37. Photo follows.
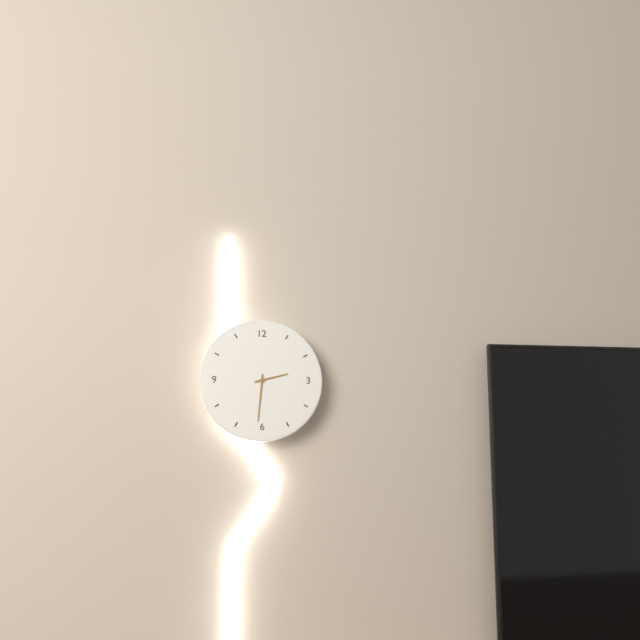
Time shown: 2:31
